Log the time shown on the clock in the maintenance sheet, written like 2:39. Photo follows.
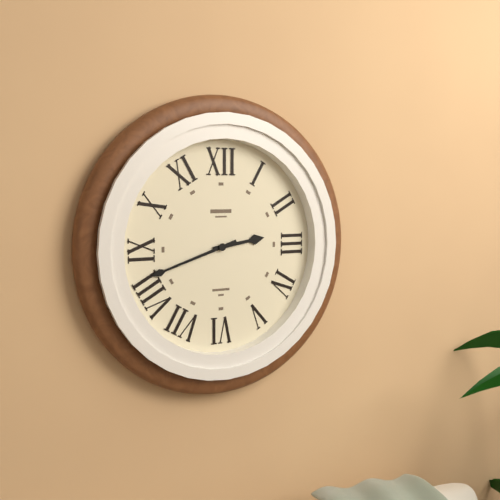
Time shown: 2:42
